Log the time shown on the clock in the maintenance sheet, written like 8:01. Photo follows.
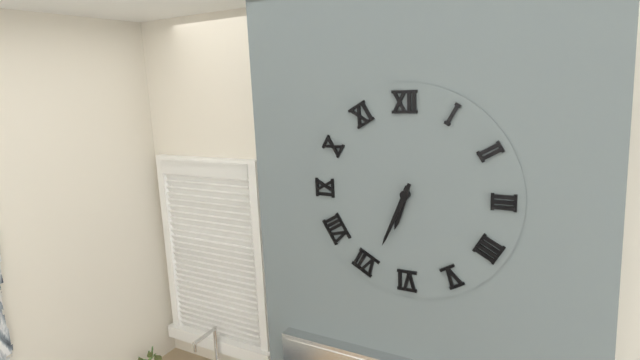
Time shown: 6:34
